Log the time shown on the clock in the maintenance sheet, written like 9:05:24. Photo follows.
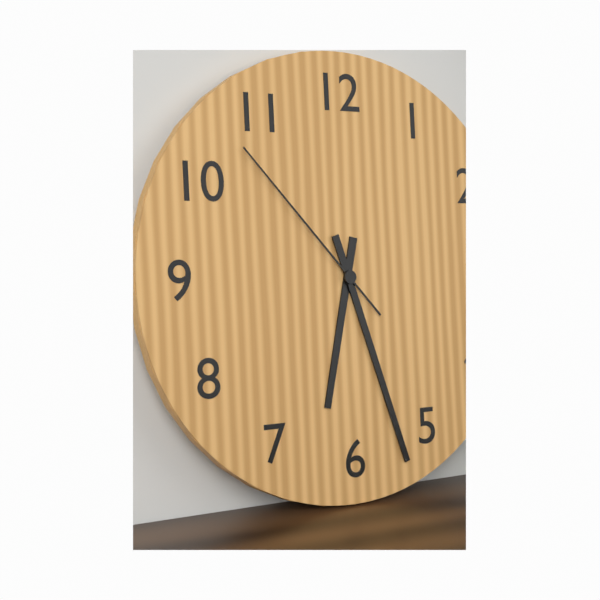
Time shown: 6:27:53
